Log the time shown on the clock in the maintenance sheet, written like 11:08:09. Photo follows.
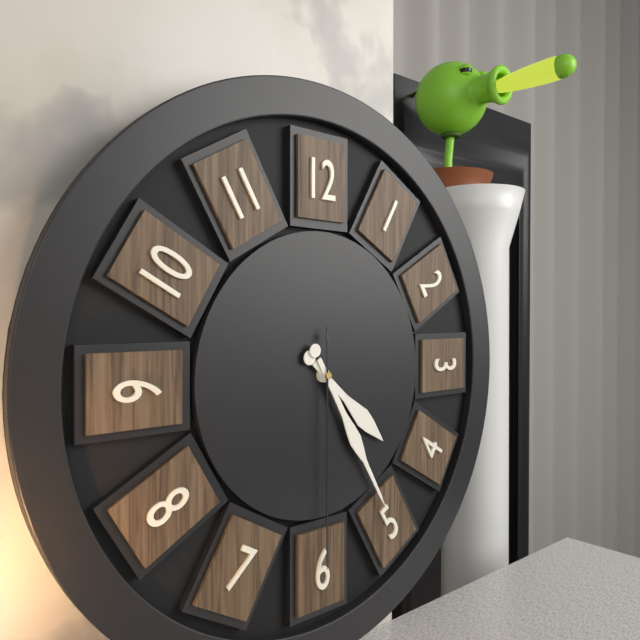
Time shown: 4:25:30
